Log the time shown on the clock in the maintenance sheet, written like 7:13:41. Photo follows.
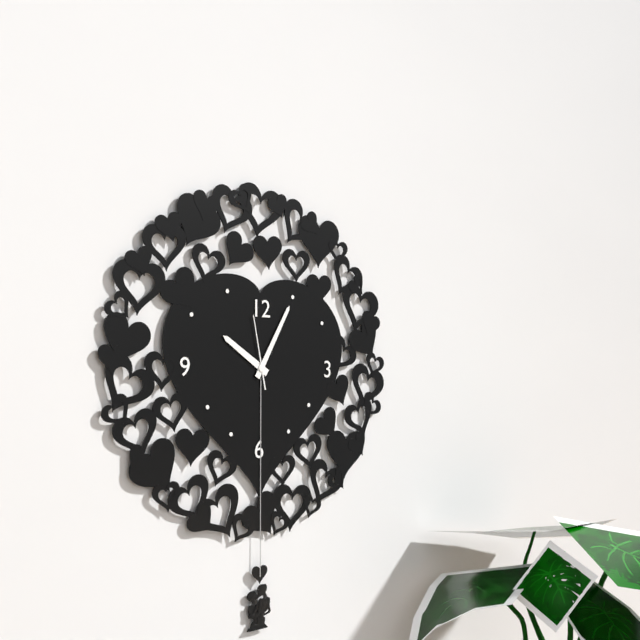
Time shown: 10:05:58
